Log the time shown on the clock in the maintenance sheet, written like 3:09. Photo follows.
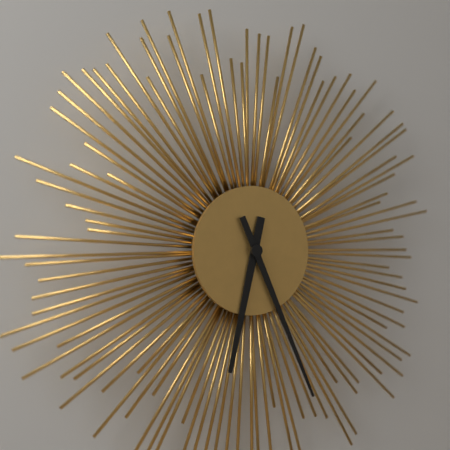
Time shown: 6:26
